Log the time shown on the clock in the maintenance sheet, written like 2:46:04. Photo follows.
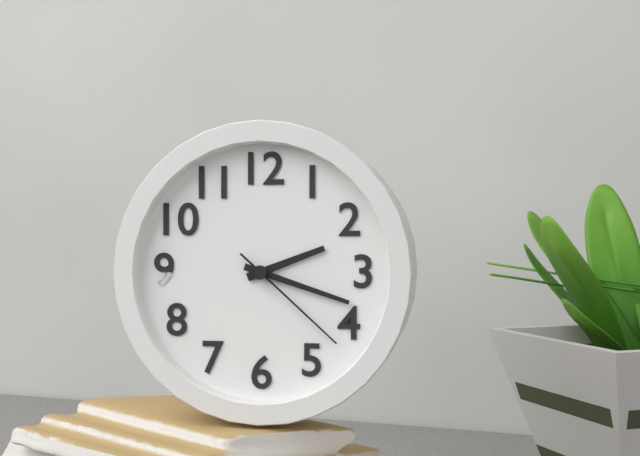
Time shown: 2:18:22
